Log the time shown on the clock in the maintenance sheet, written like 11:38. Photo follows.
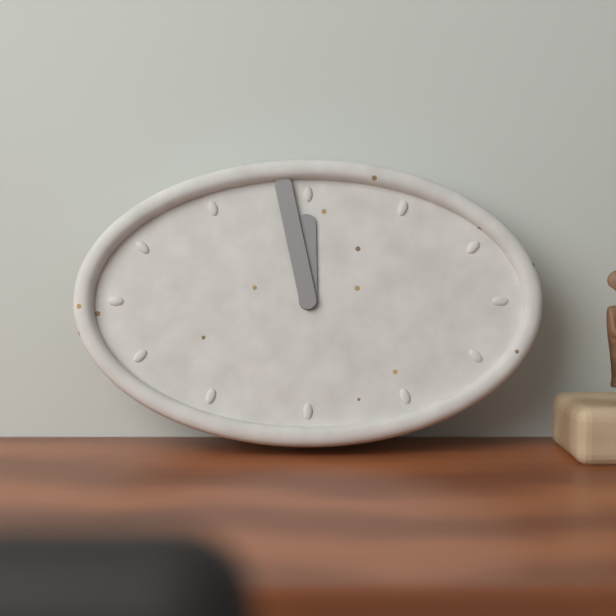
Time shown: 11:58
